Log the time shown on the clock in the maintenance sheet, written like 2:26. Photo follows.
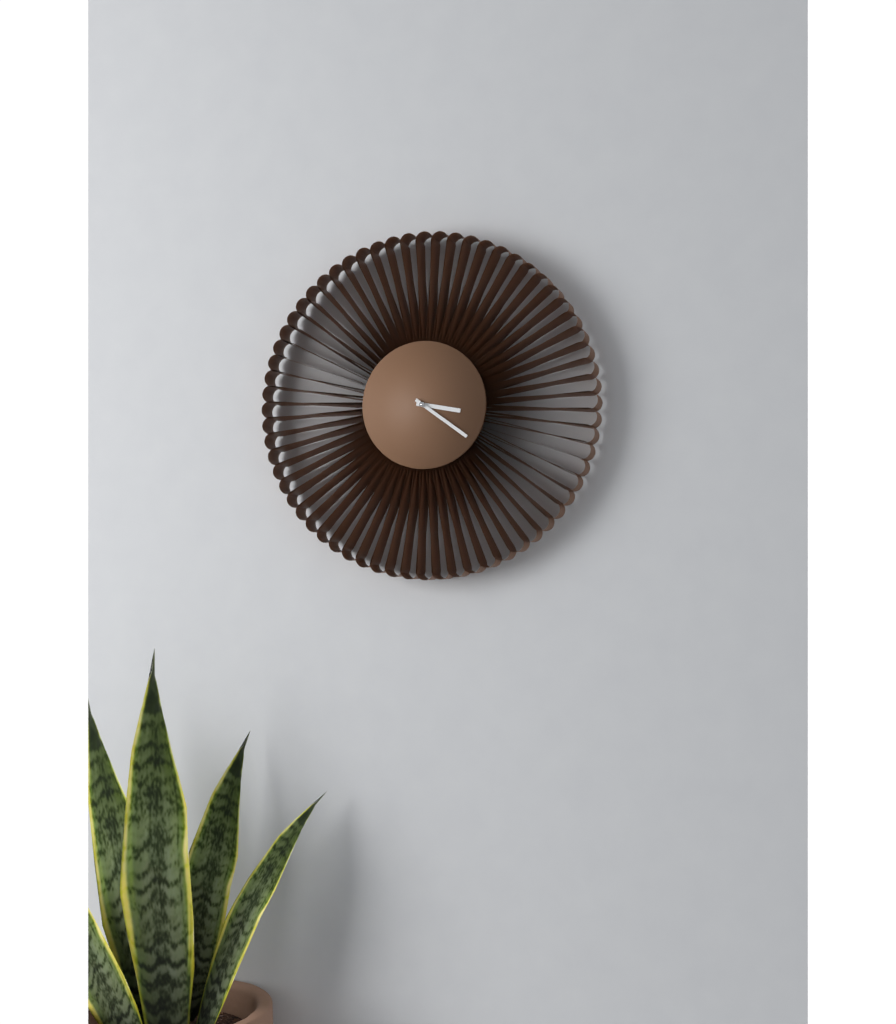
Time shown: 3:21
